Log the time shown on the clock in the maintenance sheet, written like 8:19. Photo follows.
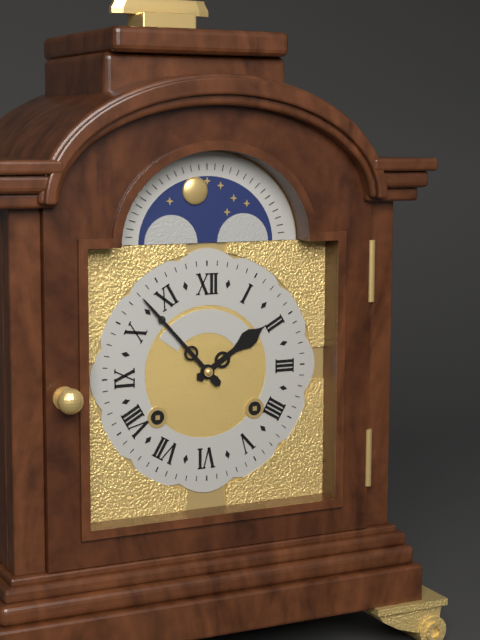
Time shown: 1:53
